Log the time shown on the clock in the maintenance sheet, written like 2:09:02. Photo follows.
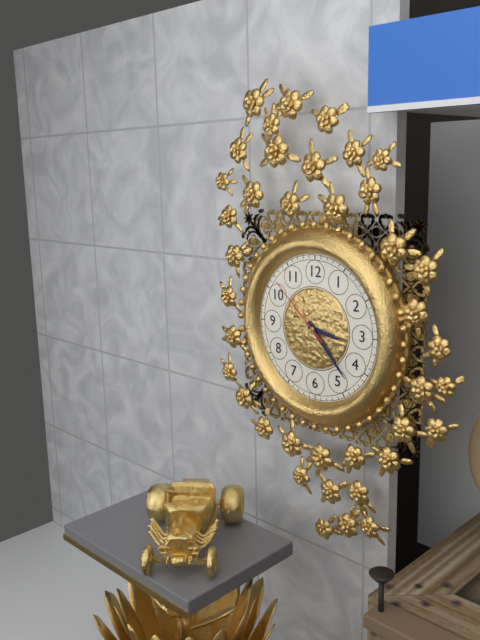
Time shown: 3:23:52
